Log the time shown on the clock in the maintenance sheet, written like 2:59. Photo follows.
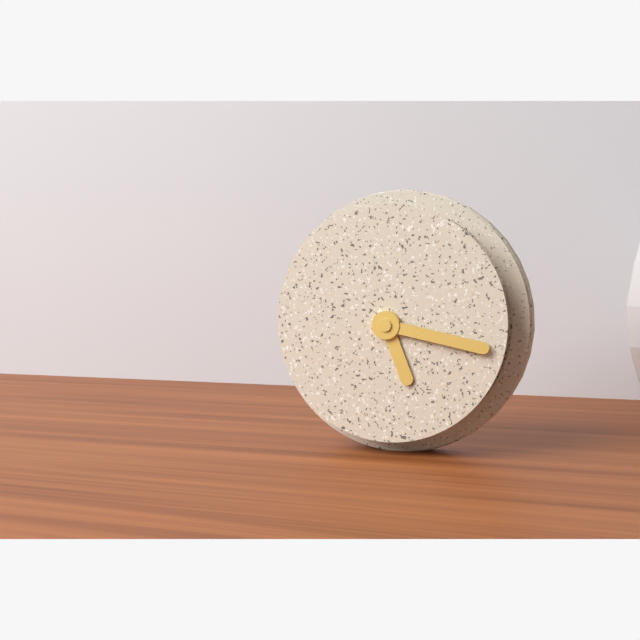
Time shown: 5:17
